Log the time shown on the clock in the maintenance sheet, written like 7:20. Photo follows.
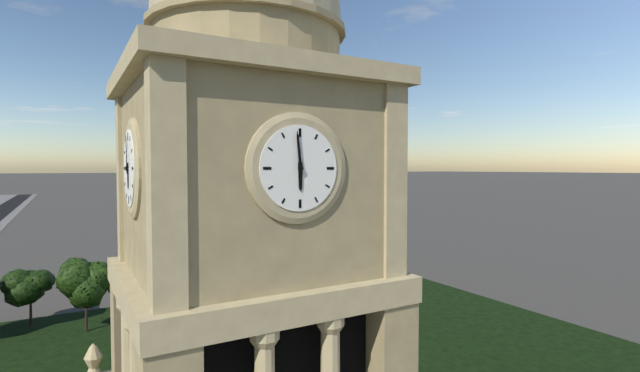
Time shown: 5:59
